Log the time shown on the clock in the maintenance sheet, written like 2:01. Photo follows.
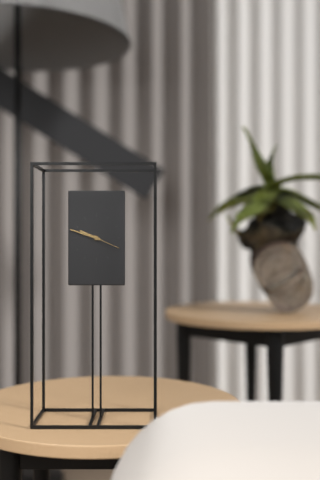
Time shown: 9:48
